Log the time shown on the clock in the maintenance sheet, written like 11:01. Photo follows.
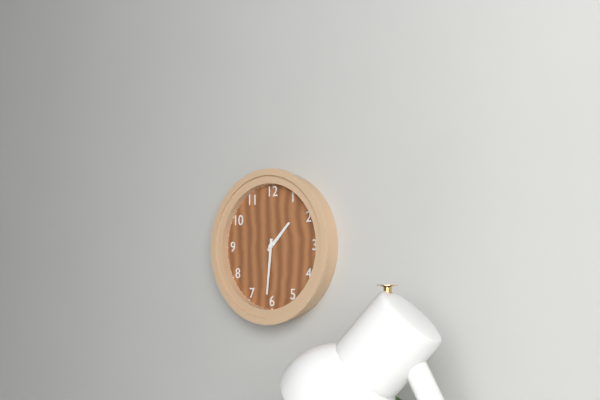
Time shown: 1:31
